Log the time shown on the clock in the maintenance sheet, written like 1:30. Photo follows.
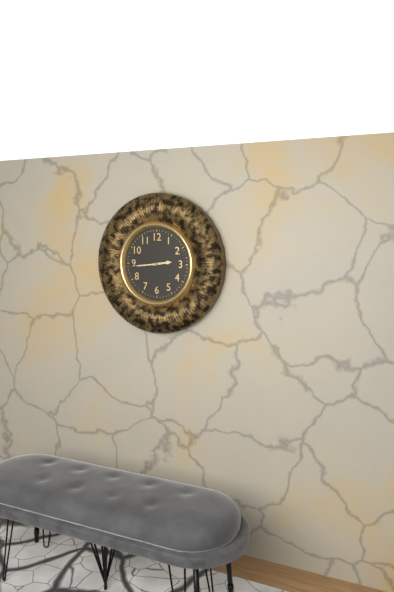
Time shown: 2:44
